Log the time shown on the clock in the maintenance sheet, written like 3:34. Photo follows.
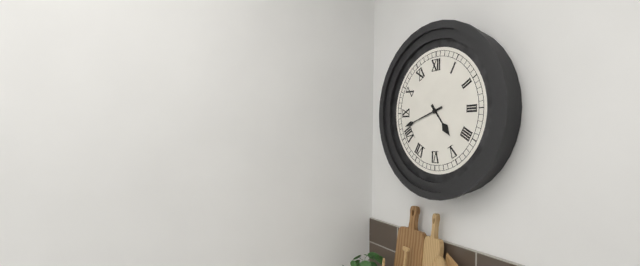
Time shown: 4:42
